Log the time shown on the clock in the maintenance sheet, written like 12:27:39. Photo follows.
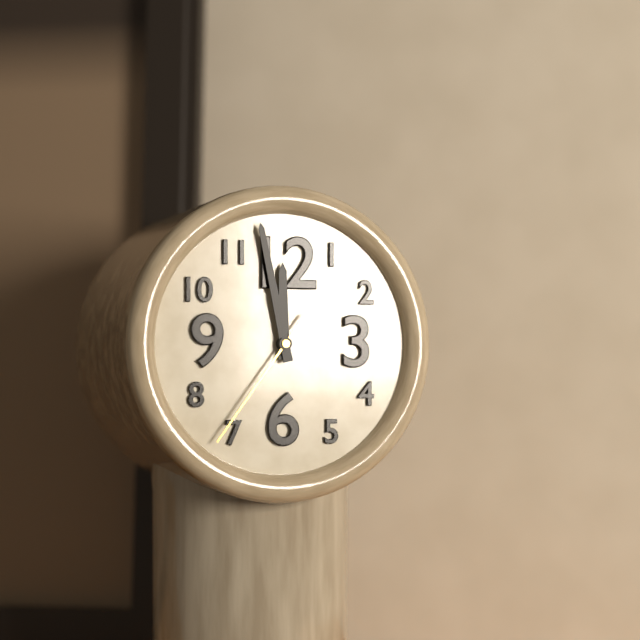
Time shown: 11:58:36
